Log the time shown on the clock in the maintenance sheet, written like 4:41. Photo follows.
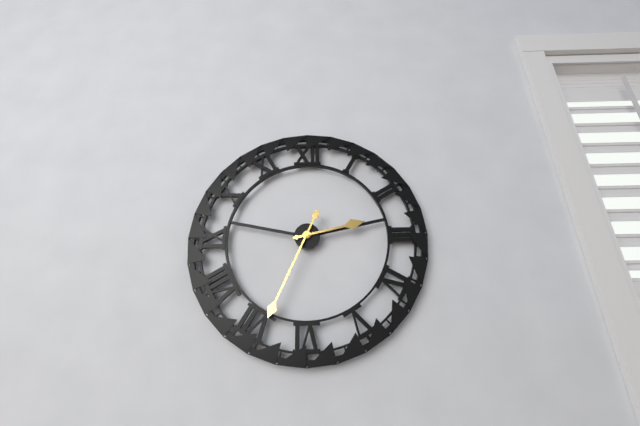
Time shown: 2:34
